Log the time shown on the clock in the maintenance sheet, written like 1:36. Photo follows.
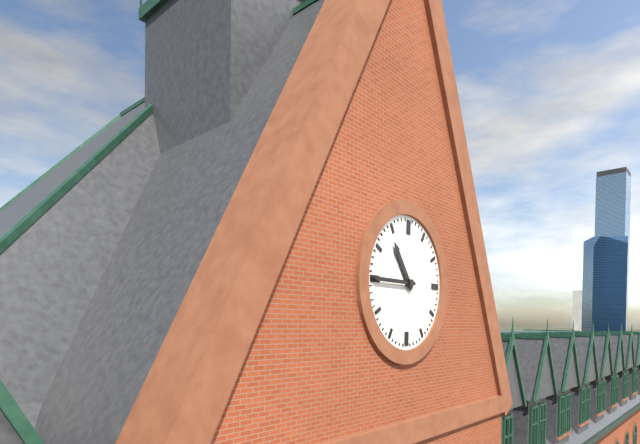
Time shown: 10:45
